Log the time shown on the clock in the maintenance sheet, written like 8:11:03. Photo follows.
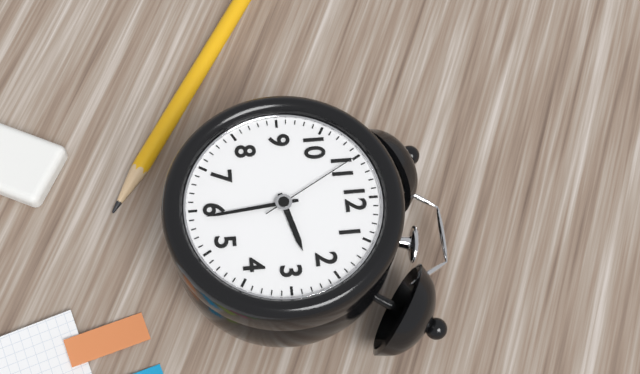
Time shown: 2:29:55
